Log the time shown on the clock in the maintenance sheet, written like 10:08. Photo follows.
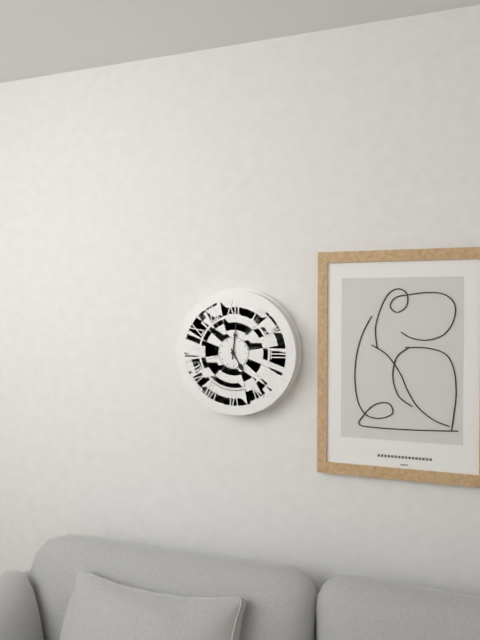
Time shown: 5:01
